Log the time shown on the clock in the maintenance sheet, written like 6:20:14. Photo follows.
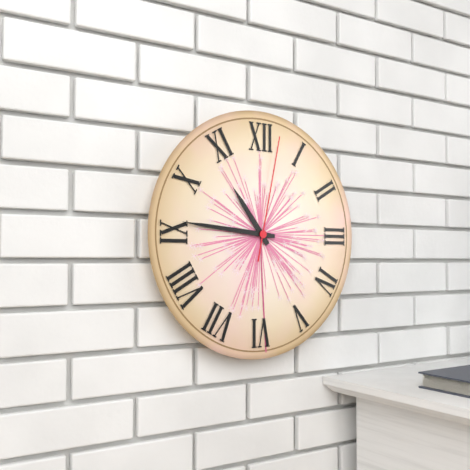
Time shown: 10:46:02
